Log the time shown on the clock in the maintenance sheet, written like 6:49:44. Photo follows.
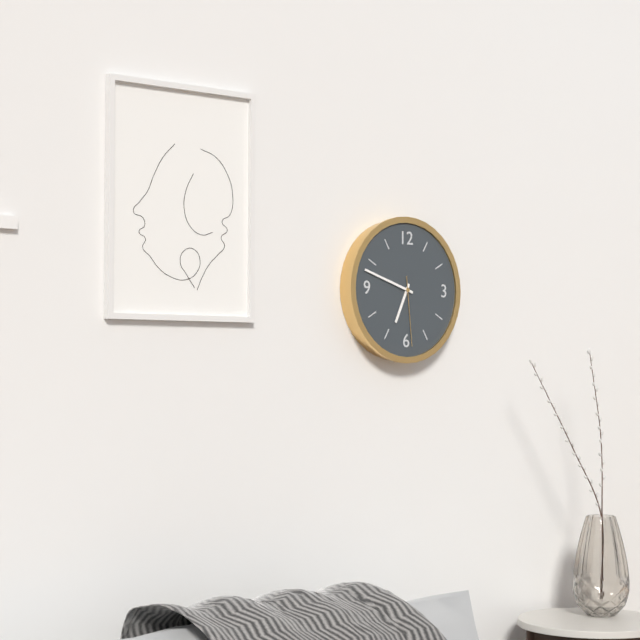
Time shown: 6:48:29
